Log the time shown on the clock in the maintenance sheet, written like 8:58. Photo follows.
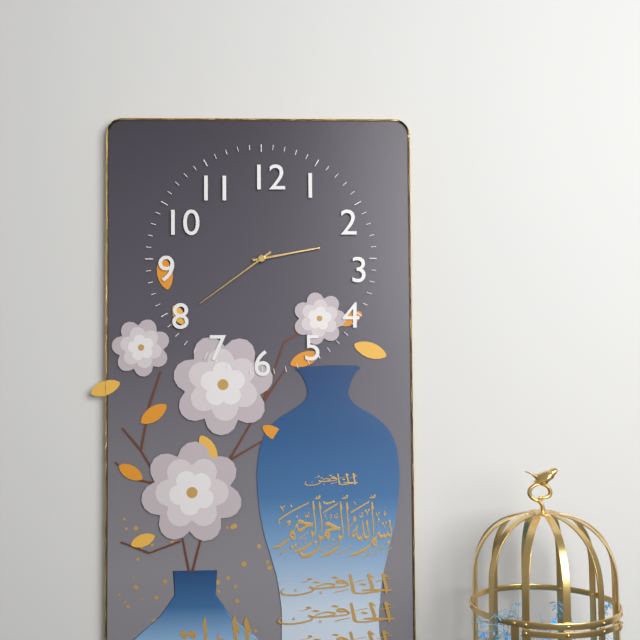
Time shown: 2:39
